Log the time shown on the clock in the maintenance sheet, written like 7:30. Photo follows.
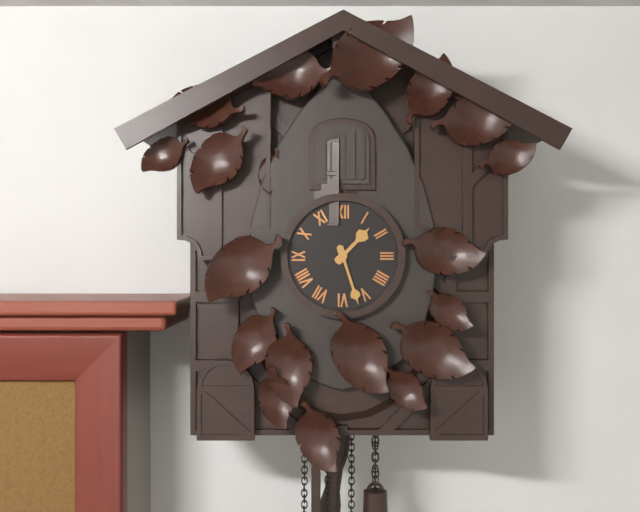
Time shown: 1:27
